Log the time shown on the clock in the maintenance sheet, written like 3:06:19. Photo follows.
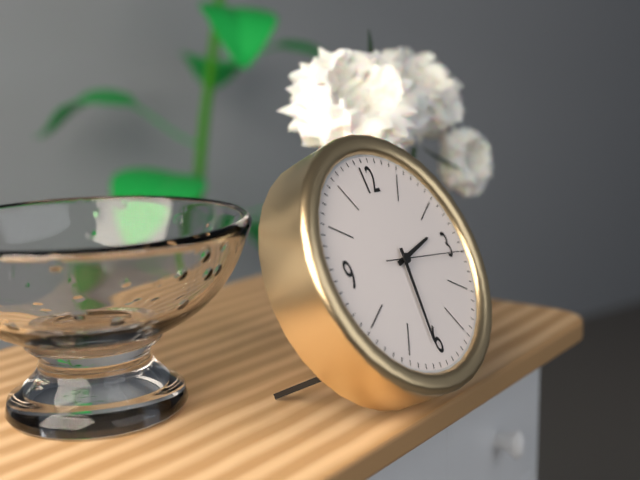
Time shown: 2:31:16
